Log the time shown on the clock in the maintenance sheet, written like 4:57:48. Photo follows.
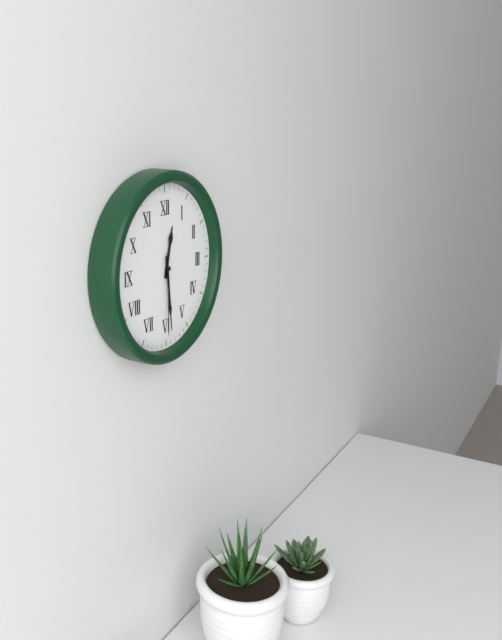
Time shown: 12:29:30
